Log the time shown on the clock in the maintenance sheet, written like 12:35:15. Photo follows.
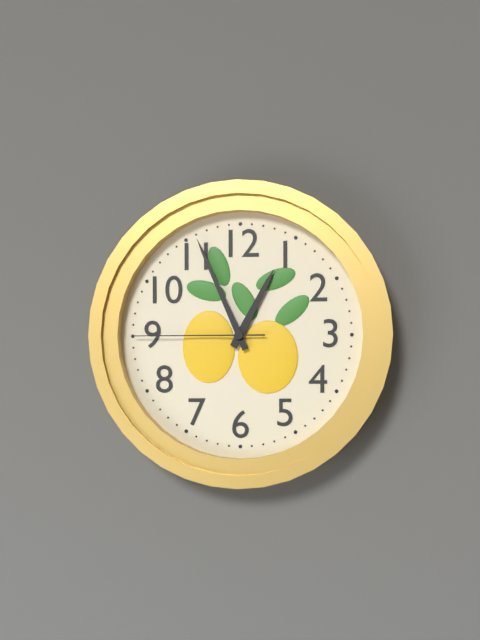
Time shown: 12:56:45
